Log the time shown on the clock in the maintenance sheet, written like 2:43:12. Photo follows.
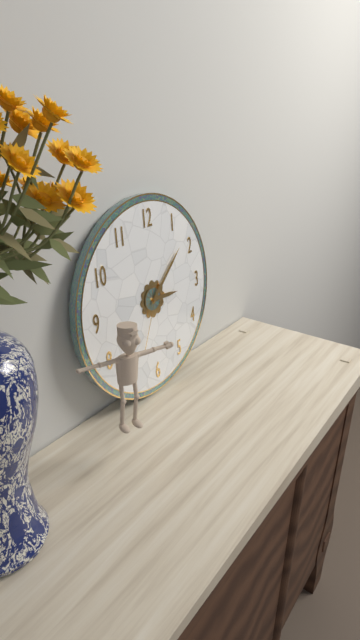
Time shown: 3:08:34
